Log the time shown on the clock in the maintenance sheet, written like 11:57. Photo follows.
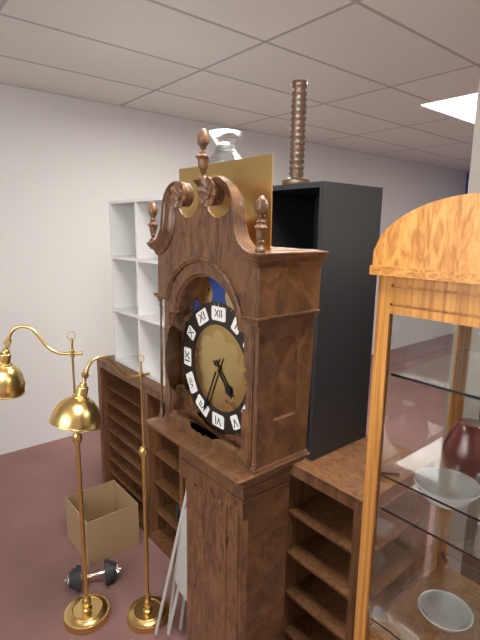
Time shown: 4:34
